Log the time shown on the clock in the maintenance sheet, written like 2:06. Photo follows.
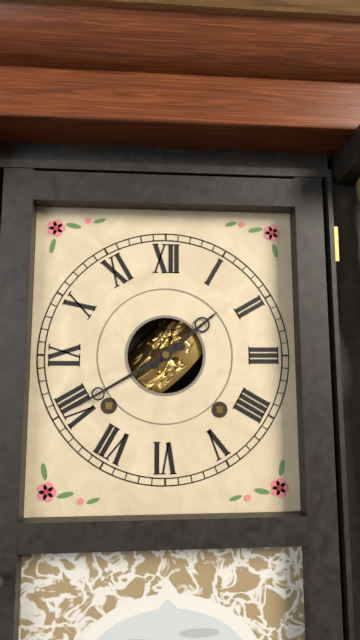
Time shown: 1:40
